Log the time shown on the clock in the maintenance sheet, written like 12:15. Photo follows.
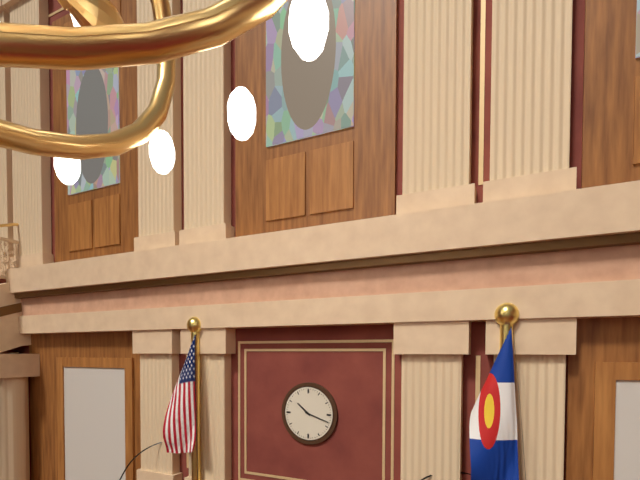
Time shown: 10:18
